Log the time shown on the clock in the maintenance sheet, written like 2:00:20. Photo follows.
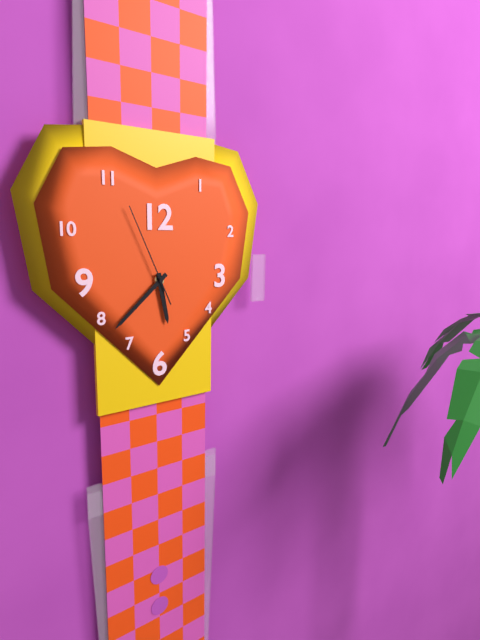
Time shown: 5:38:56
